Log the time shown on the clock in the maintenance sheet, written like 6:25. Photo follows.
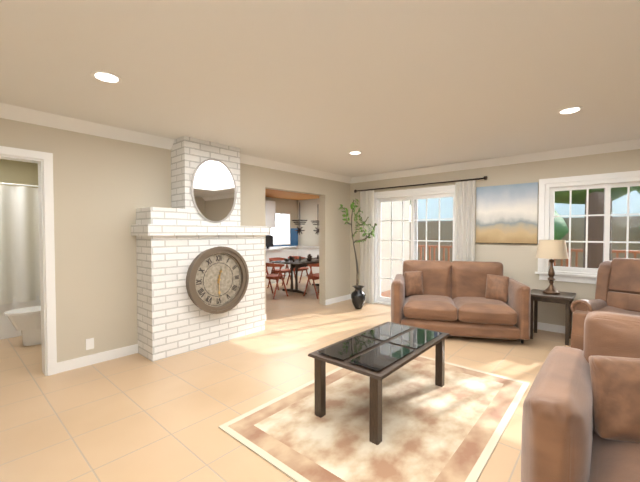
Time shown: 12:30
